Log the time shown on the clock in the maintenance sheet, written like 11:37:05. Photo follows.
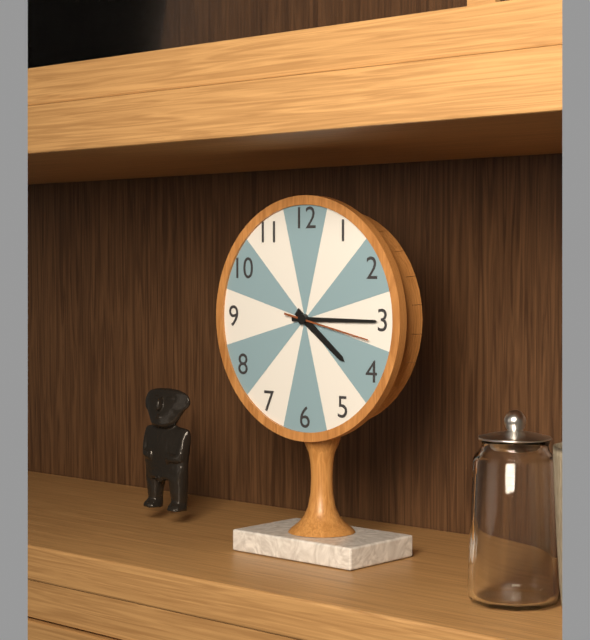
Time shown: 4:15:17
